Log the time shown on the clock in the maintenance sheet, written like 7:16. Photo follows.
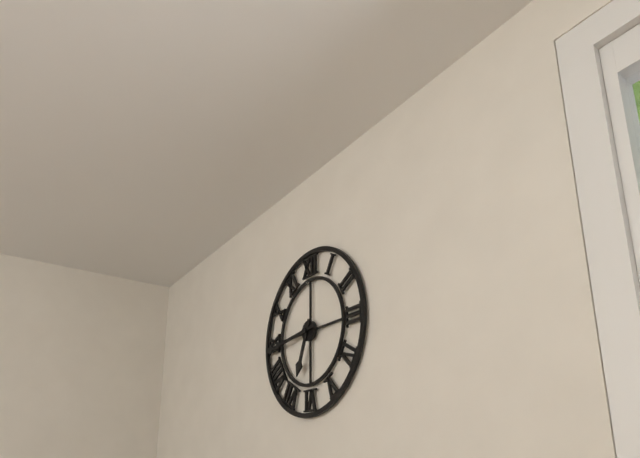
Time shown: 6:44
